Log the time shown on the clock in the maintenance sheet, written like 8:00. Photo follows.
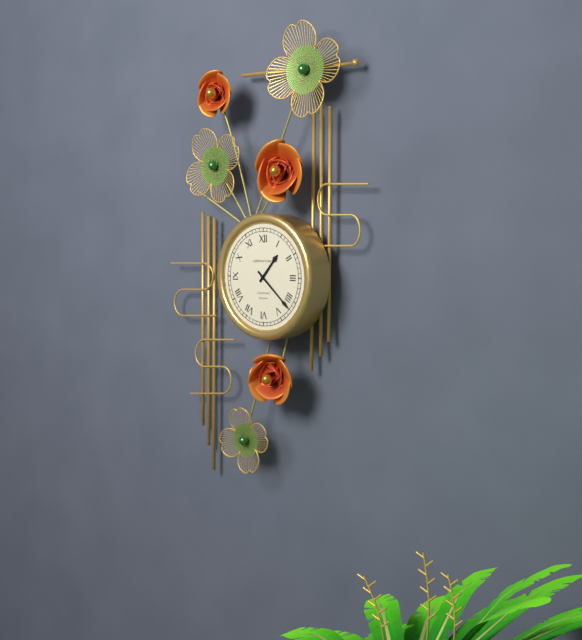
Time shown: 1:22
